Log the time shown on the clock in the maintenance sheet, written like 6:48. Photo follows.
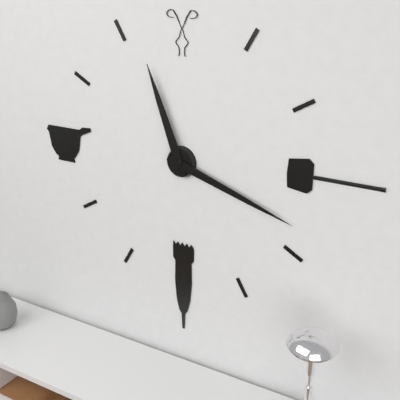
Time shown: 11:18
